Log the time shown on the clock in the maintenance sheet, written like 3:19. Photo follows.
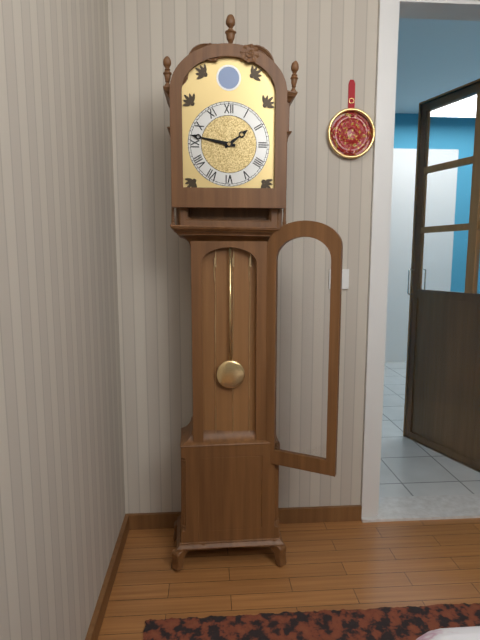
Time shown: 1:47
